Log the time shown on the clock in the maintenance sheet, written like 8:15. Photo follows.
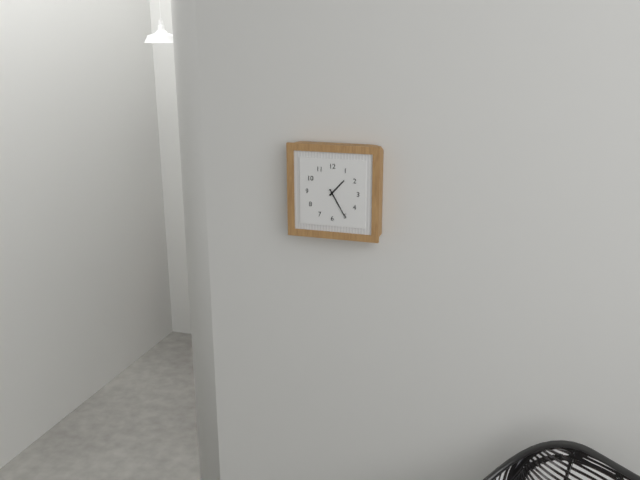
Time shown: 1:25
